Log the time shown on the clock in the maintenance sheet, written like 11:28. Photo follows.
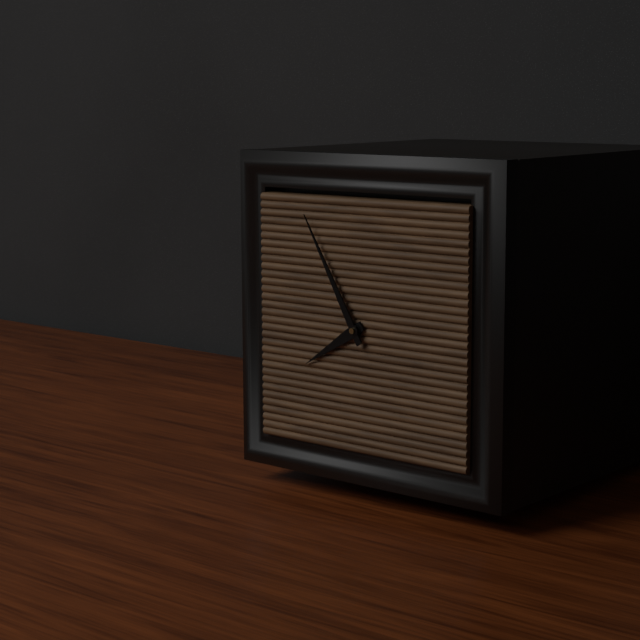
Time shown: 7:55
